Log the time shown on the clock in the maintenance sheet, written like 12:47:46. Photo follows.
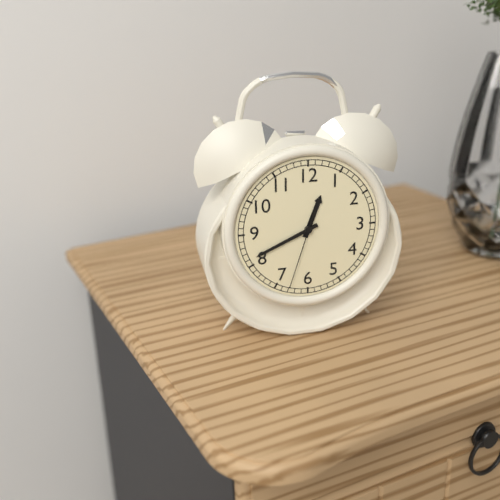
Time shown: 12:41:33
